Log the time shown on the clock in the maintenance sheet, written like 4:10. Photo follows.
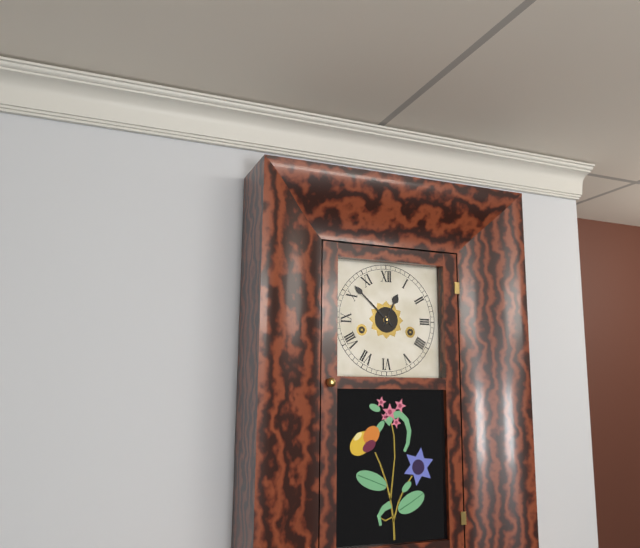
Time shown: 12:52
